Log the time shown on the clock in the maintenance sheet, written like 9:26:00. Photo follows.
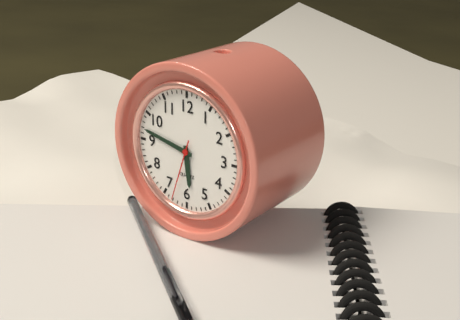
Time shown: 5:47:33
